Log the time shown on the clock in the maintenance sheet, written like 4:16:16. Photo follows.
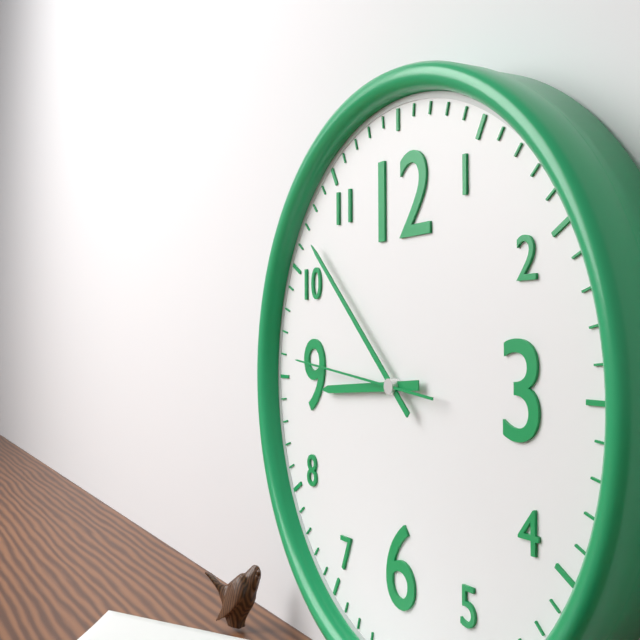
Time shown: 8:52:46
